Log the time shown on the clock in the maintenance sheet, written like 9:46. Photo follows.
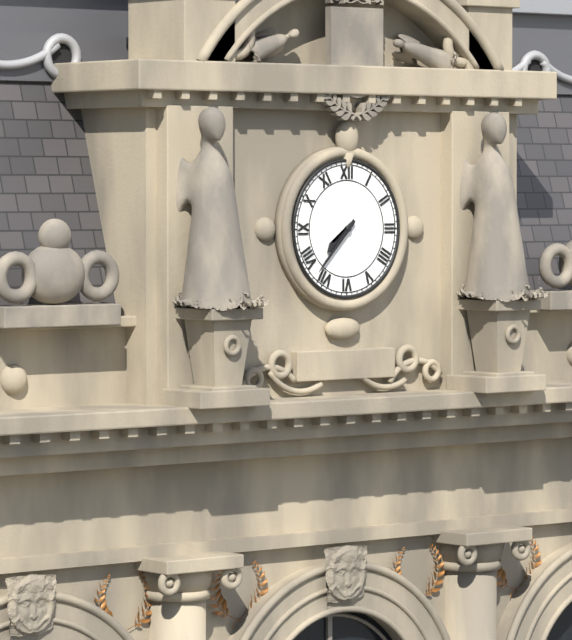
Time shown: 7:37
